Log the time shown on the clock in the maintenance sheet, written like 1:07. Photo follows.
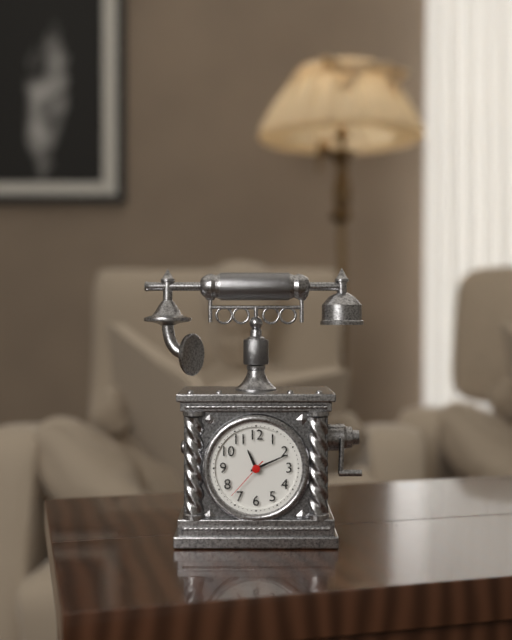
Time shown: 11:11
